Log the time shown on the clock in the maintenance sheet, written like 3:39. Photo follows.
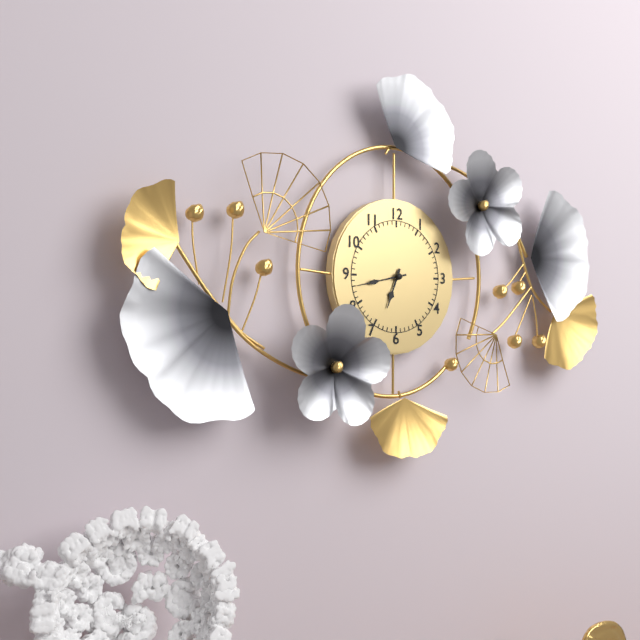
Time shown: 6:43
